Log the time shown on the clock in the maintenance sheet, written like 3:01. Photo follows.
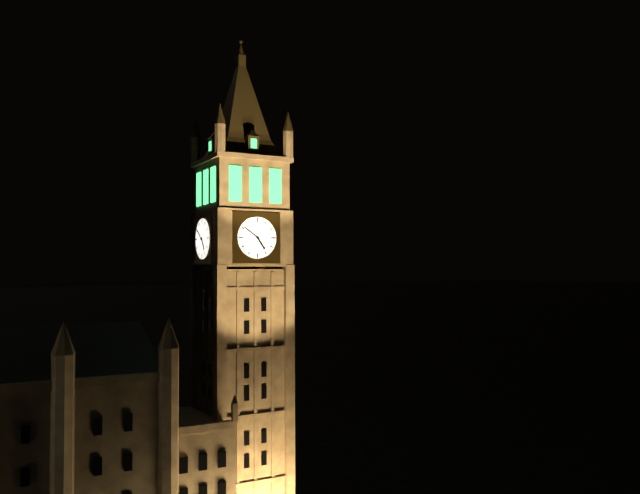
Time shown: 4:51
